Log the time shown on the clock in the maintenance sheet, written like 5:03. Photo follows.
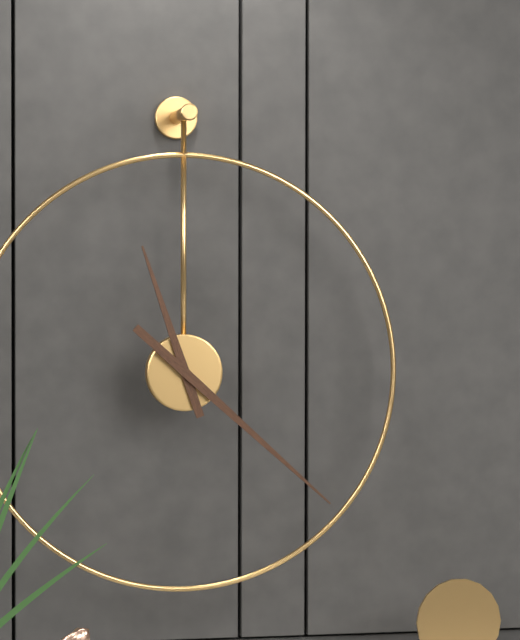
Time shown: 11:22
